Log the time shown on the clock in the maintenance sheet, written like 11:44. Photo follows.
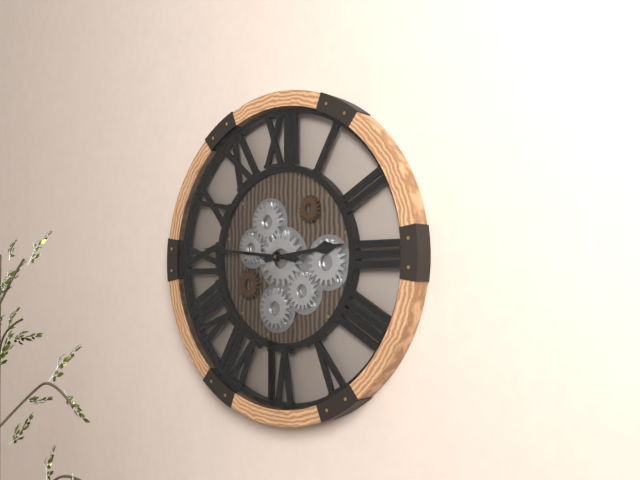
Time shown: 2:46
